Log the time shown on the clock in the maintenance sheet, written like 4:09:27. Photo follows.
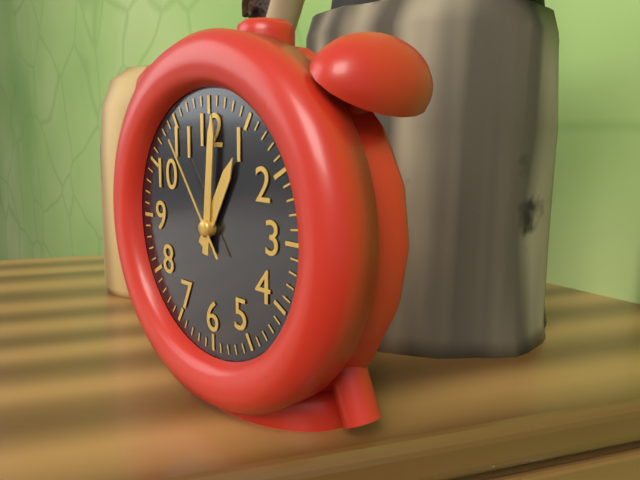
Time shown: 1:01:54
